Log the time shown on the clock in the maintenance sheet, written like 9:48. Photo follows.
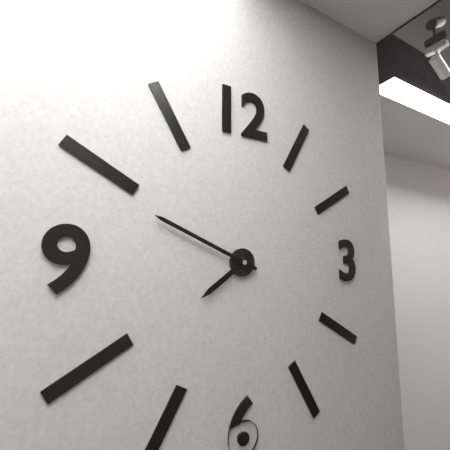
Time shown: 7:49
